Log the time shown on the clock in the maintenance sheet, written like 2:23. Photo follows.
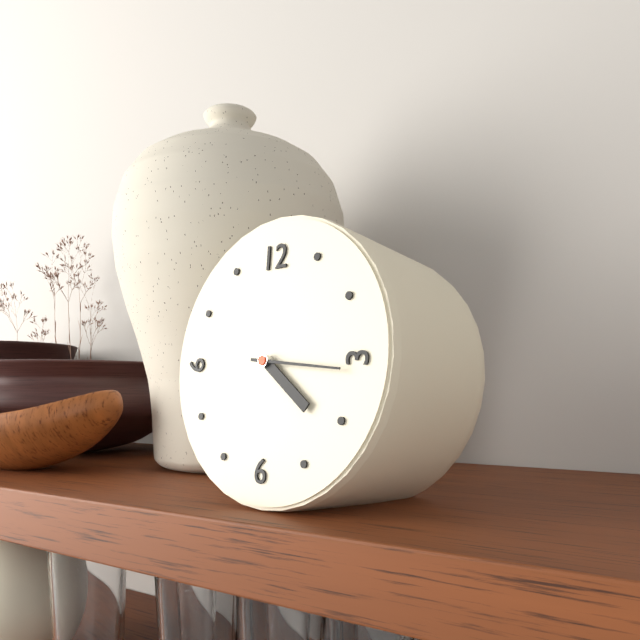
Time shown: 4:16
